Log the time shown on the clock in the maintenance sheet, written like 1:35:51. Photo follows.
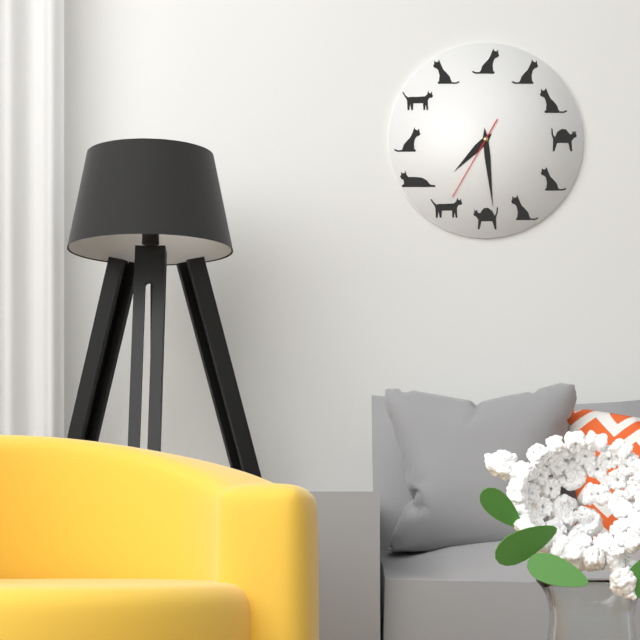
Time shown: 7:29:35
